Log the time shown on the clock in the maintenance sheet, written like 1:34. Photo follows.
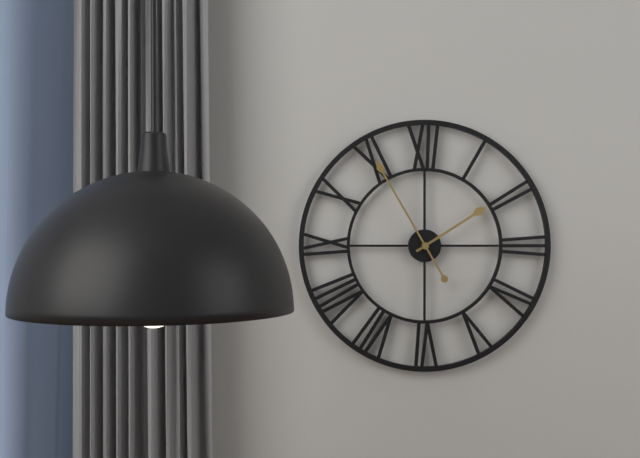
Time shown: 1:55
